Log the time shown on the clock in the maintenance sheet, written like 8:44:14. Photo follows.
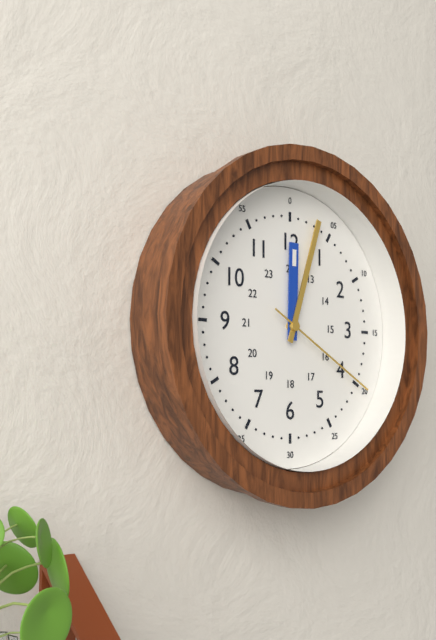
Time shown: 12:03:20
